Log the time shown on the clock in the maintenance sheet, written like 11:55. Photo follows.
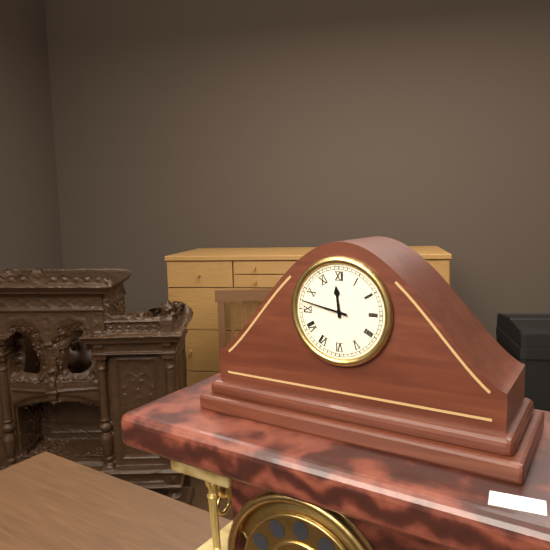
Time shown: 11:47
